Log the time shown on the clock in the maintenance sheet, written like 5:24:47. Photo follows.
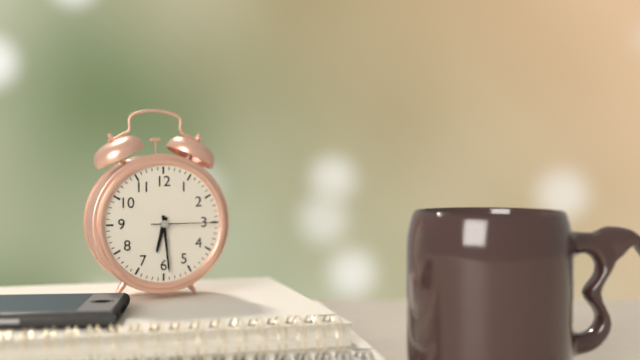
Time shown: 6:29:15
